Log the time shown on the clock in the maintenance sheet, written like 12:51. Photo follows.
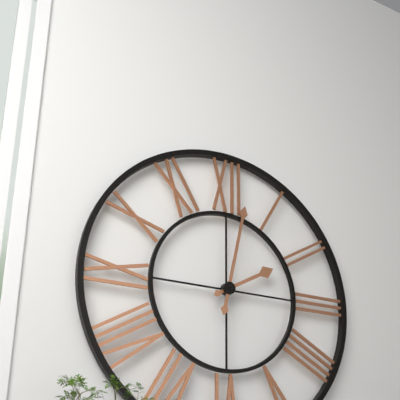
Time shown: 2:02
